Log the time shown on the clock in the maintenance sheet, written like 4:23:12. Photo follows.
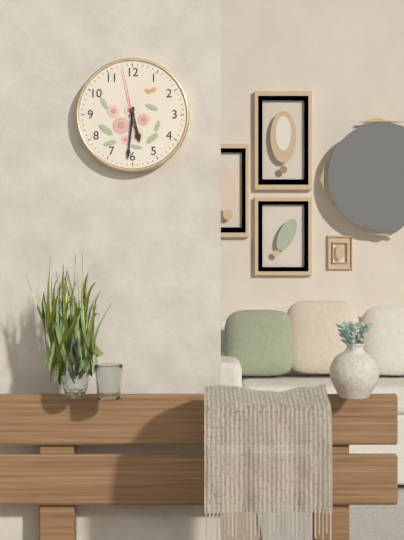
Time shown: 5:31:58
